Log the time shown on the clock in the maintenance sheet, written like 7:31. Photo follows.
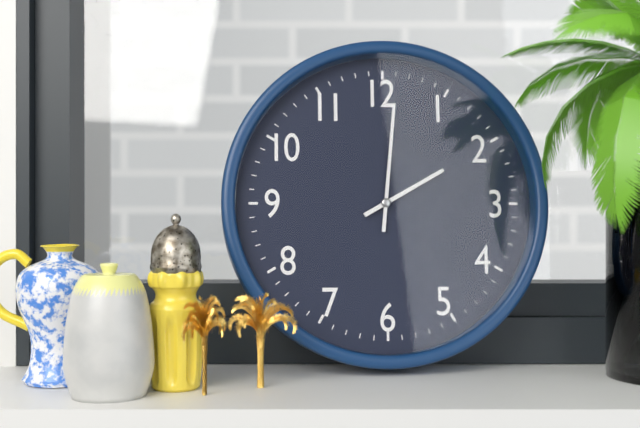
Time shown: 2:01
